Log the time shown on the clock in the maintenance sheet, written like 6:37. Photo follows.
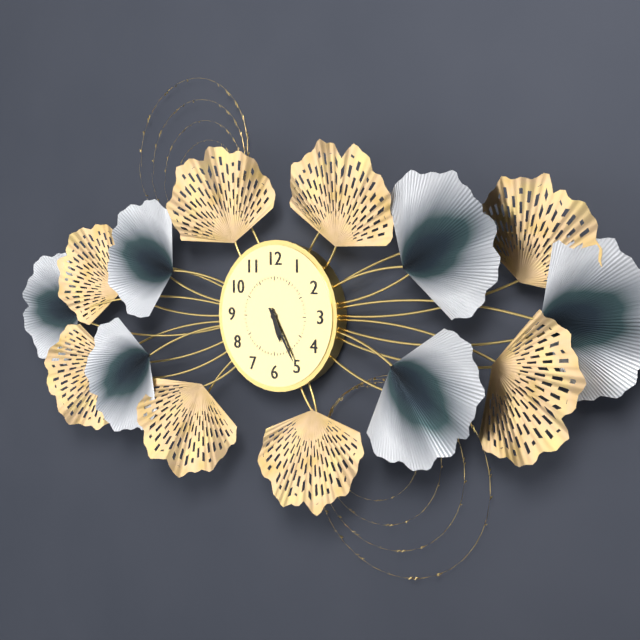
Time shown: 5:25
